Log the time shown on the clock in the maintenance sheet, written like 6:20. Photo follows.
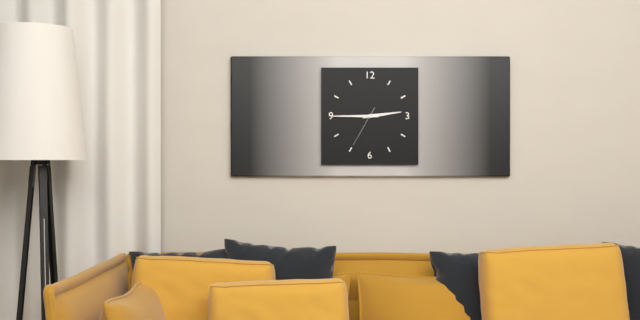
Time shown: 2:45
